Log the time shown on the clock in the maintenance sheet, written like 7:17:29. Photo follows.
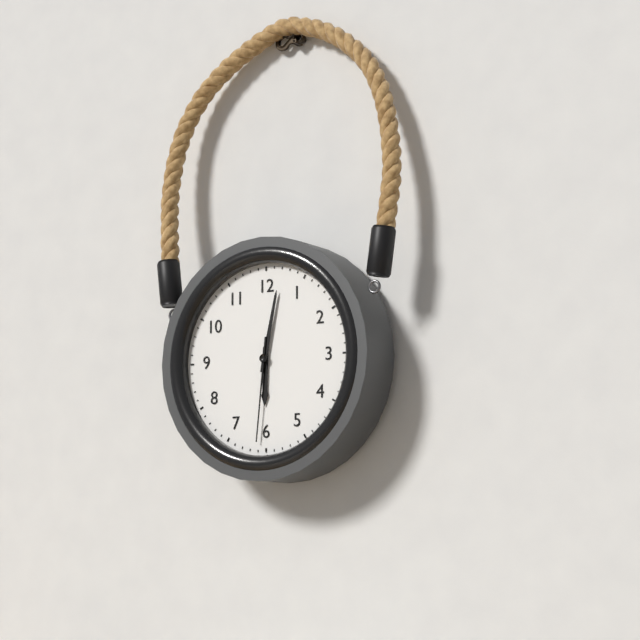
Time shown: 6:02:31
